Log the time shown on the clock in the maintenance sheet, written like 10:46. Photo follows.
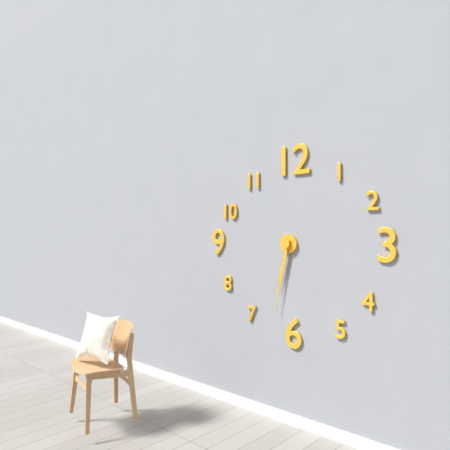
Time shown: 6:32
